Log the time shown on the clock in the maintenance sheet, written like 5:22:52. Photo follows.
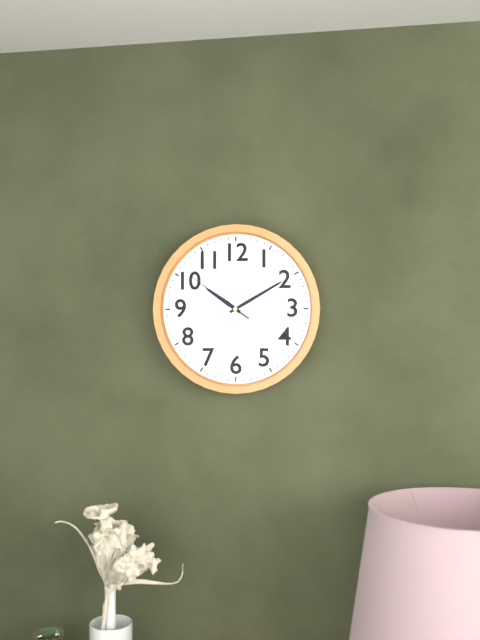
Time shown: 10:10:51
